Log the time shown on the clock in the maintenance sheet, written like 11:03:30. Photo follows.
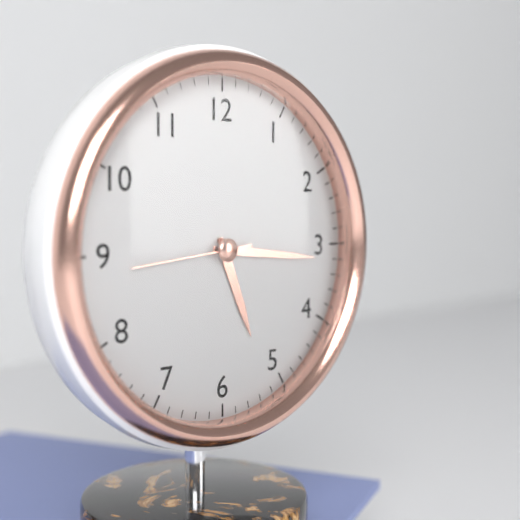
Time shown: 5:16:44
